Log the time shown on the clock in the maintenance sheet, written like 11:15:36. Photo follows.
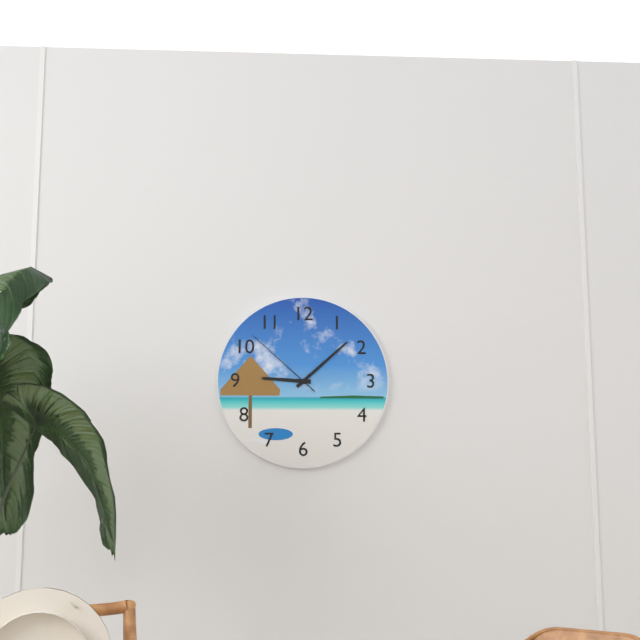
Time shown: 9:08:52
